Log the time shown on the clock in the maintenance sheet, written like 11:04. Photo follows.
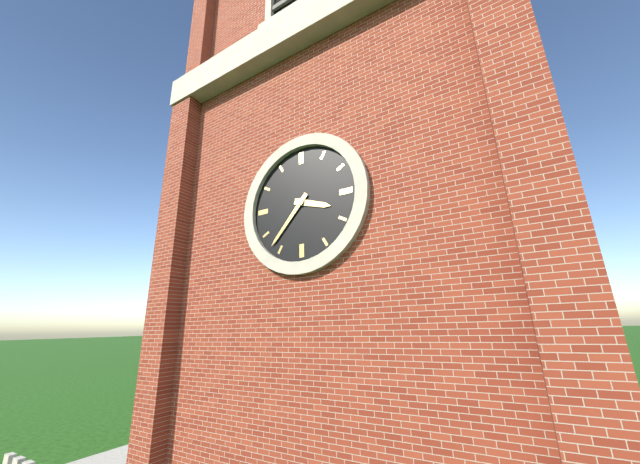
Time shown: 3:37
